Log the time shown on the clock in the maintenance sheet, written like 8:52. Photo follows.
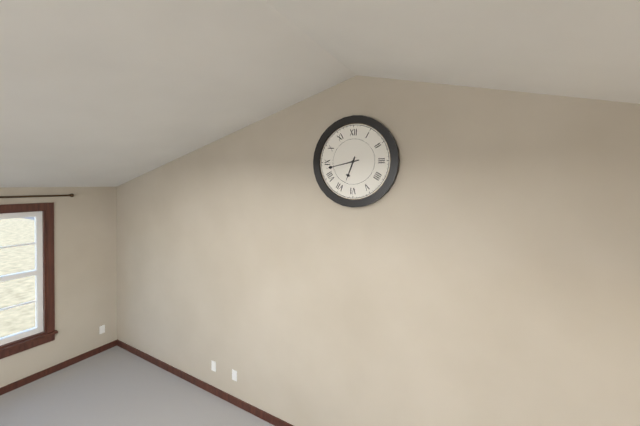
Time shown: 6:43
